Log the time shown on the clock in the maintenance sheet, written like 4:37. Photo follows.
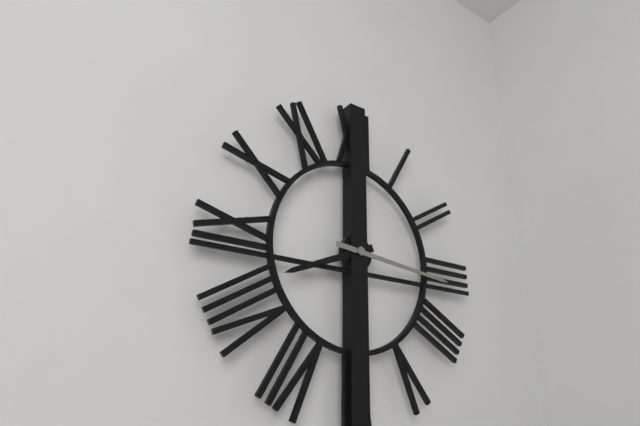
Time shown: 8:16
